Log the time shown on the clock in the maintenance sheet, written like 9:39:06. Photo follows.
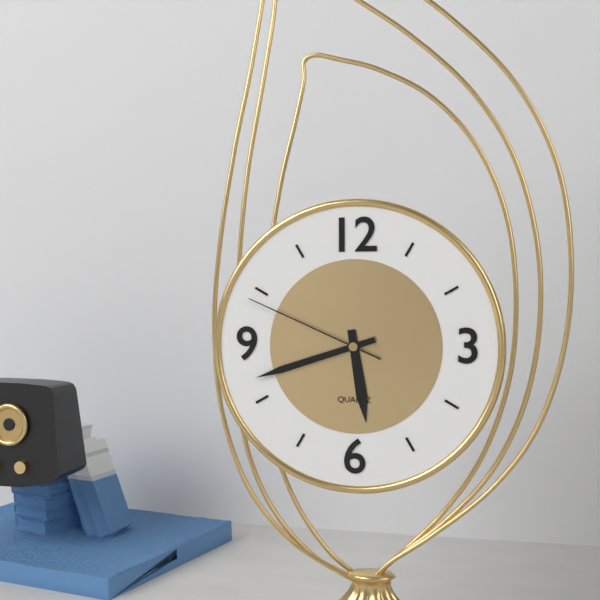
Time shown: 5:42:49
